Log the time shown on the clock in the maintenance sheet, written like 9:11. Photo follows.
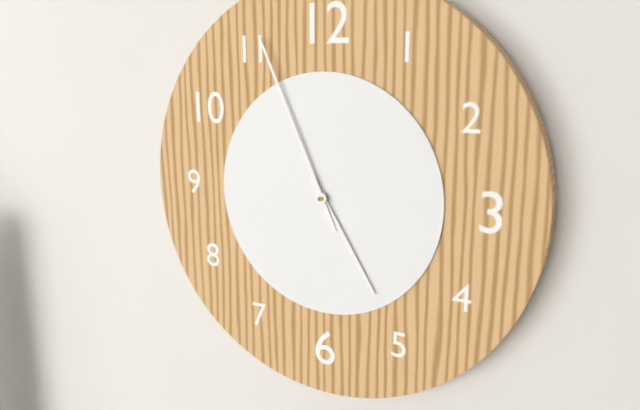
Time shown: 4:56
